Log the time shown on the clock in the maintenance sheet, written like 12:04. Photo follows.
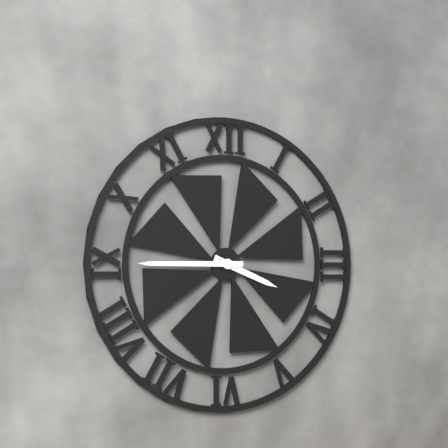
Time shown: 3:45
